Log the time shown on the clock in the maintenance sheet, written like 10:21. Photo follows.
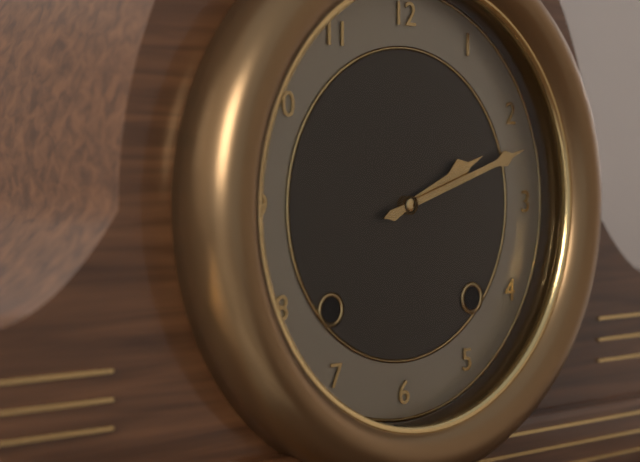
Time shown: 2:12
